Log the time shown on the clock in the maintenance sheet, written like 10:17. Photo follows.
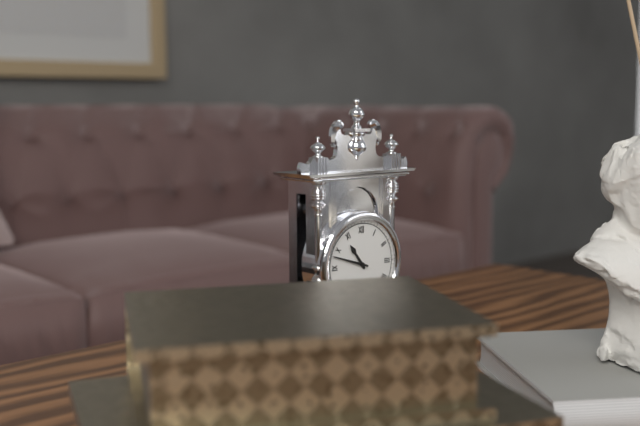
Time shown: 10:48
